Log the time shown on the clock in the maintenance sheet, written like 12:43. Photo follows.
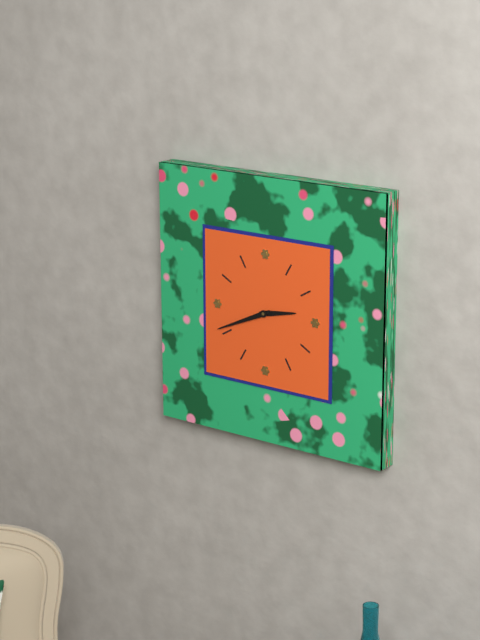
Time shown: 2:41
